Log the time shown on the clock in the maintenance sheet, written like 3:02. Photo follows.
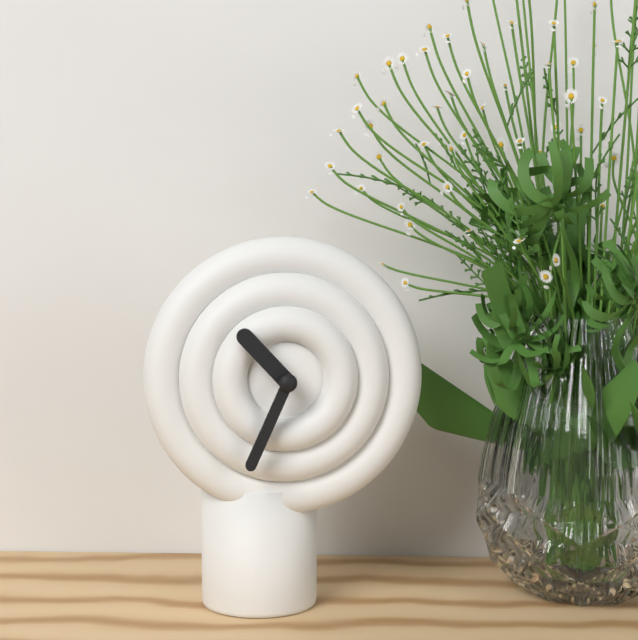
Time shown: 10:34
